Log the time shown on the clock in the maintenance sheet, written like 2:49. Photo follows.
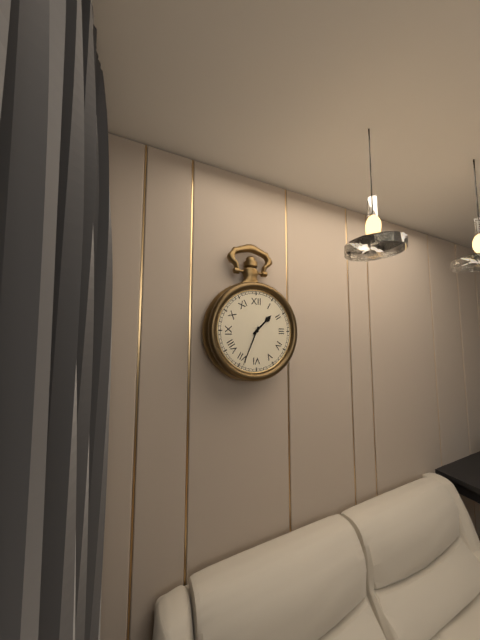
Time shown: 1:34
